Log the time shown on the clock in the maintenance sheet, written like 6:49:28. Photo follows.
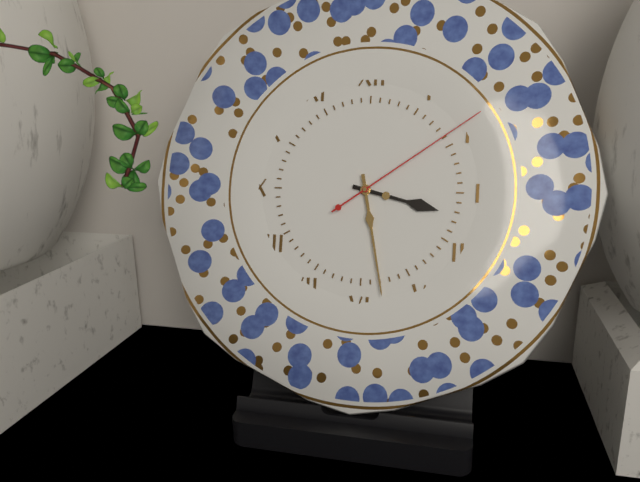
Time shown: 3:28:09
